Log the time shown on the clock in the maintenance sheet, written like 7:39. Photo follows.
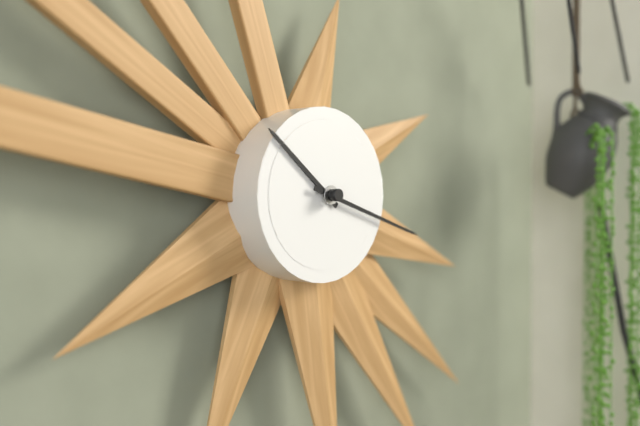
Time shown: 10:18
